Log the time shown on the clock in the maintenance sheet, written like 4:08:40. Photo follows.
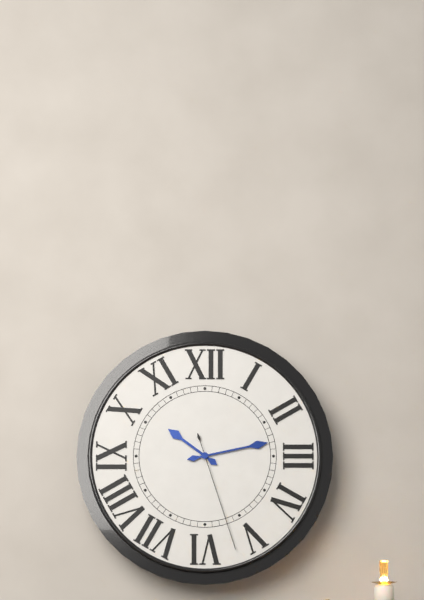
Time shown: 10:13:27
